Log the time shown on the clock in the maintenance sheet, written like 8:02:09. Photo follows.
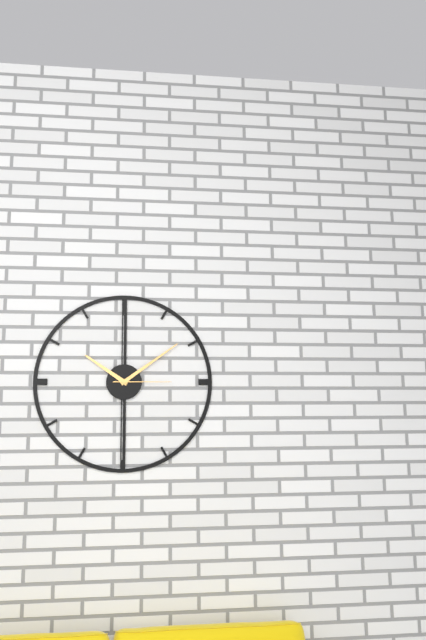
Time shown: 10:09:15
